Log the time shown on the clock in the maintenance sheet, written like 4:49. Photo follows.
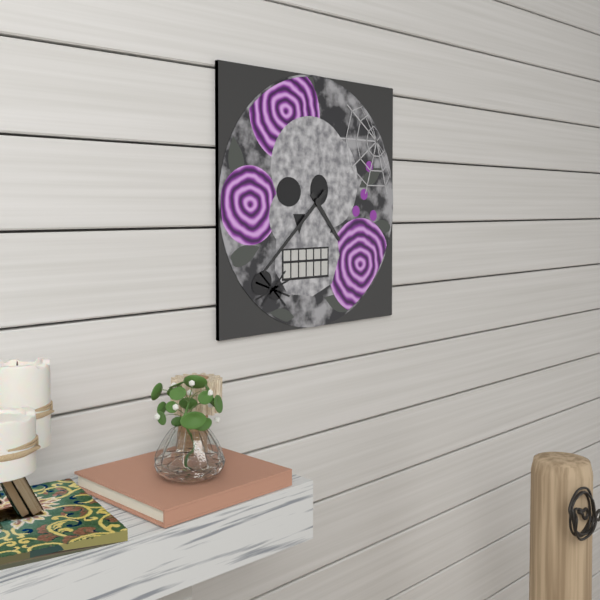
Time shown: 4:38
